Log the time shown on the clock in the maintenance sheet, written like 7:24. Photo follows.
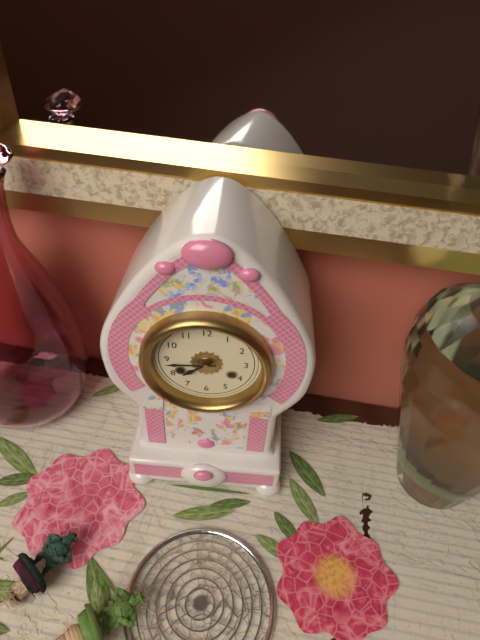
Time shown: 7:44
